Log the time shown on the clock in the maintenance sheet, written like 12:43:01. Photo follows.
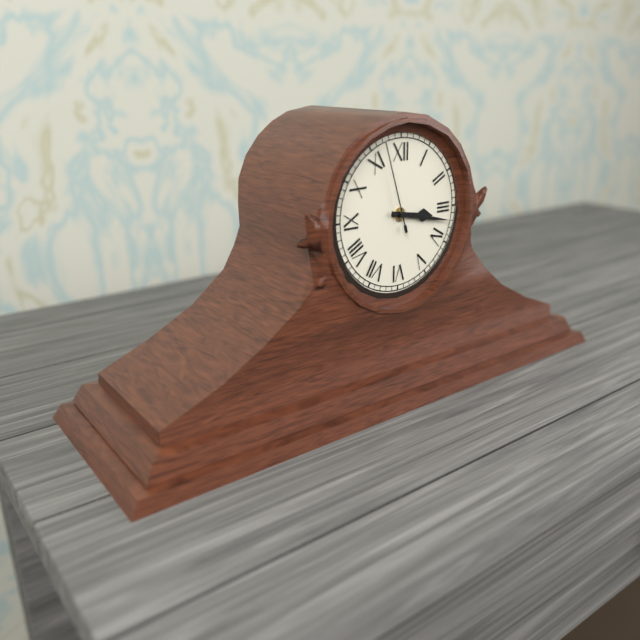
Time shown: 3:17:57
